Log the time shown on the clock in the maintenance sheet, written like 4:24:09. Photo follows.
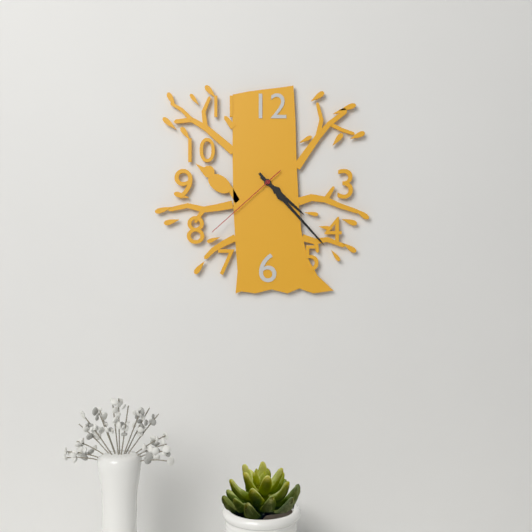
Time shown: 4:23:38
